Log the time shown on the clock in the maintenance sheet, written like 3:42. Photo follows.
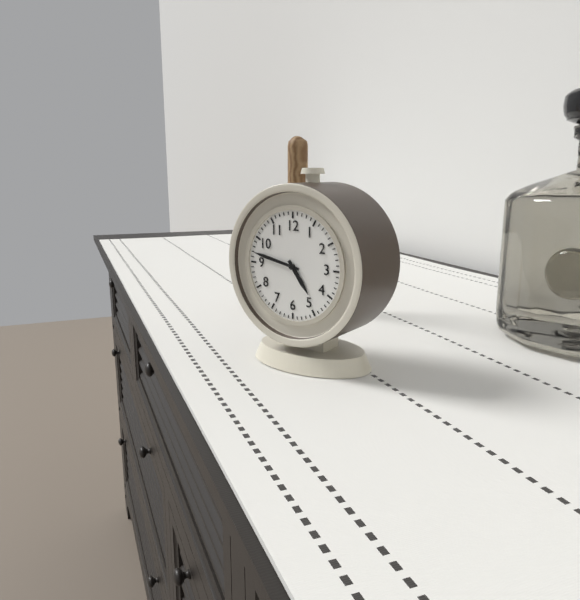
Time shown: 4:47
